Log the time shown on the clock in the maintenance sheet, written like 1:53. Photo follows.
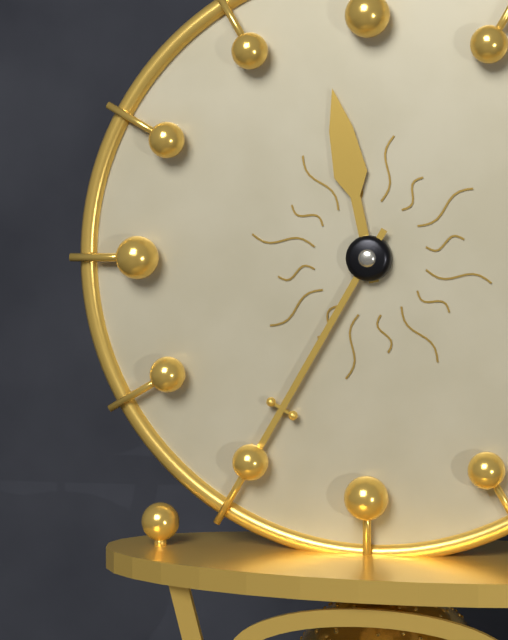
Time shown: 11:35
